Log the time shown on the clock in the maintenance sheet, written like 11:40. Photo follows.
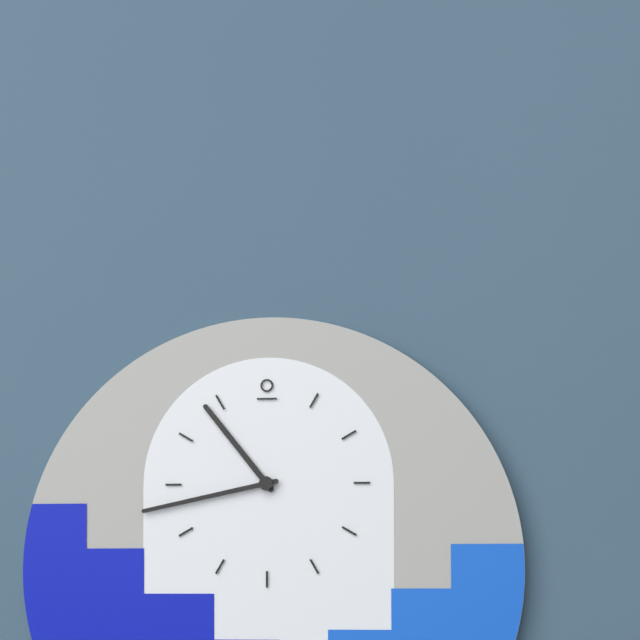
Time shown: 10:43
